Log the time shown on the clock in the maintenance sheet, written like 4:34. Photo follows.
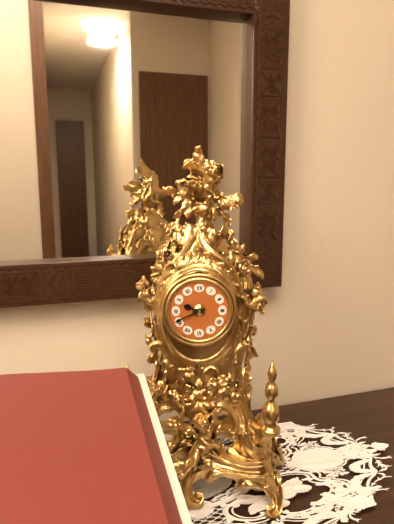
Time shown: 9:41
